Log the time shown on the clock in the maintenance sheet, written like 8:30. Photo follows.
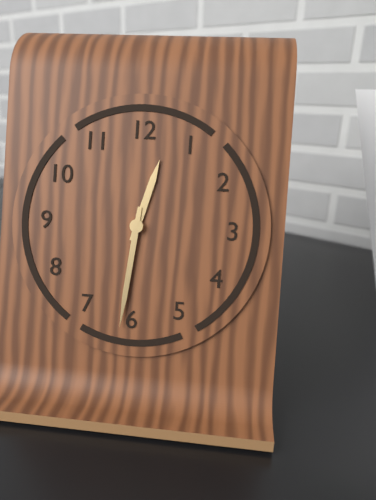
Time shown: 12:31
